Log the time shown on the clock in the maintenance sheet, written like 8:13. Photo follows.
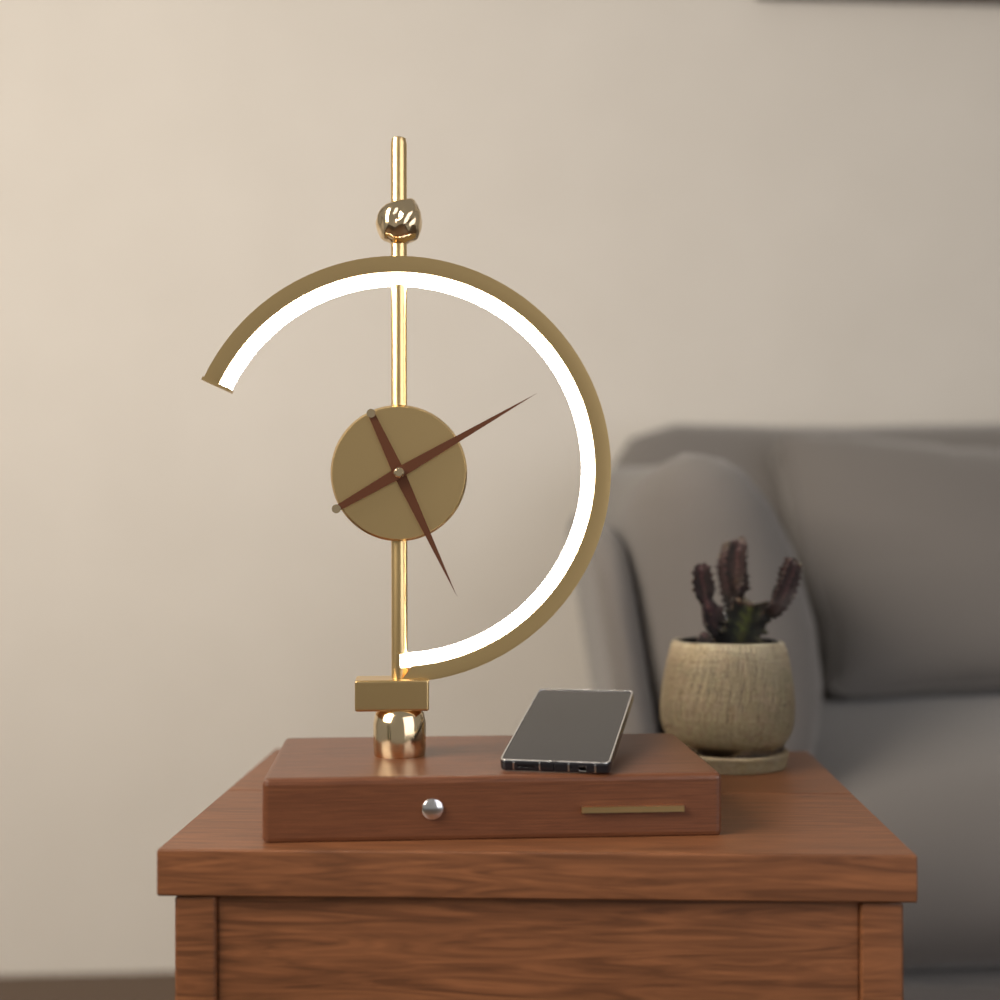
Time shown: 5:10
